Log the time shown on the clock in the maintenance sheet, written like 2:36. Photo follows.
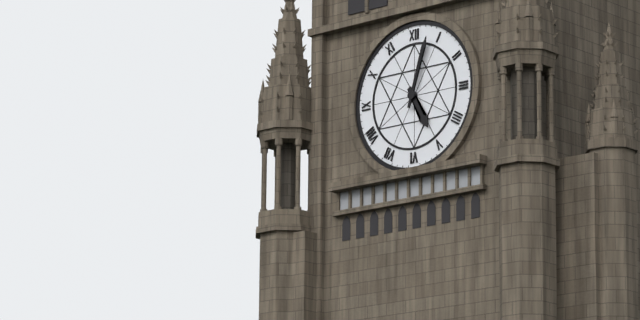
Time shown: 5:03
